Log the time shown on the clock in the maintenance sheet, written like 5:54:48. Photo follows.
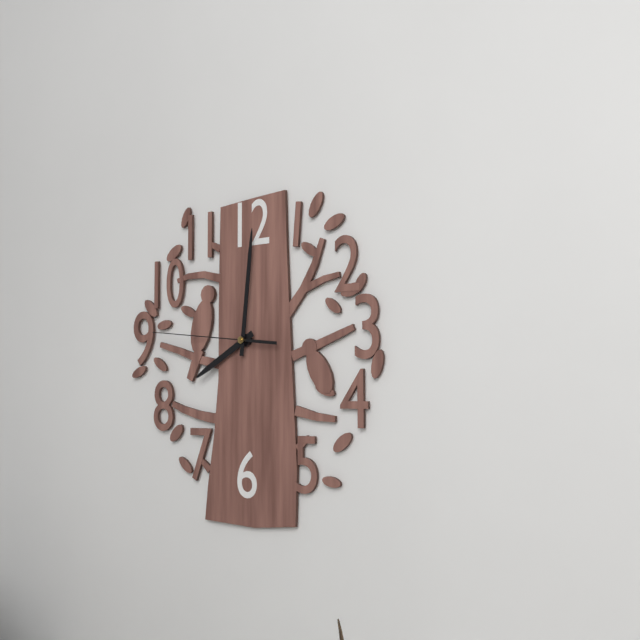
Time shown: 8:01:46
